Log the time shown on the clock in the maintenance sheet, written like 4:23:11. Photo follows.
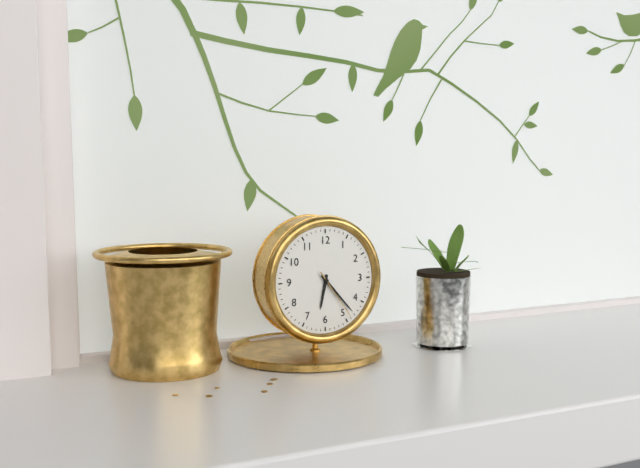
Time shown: 6:23:24
